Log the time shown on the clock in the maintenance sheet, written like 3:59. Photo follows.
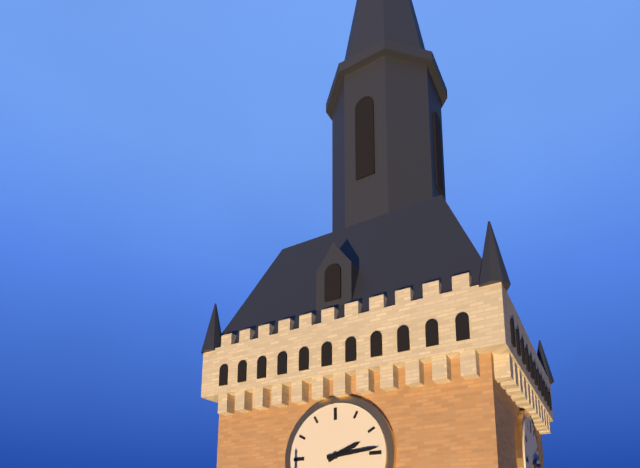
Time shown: 2:14
